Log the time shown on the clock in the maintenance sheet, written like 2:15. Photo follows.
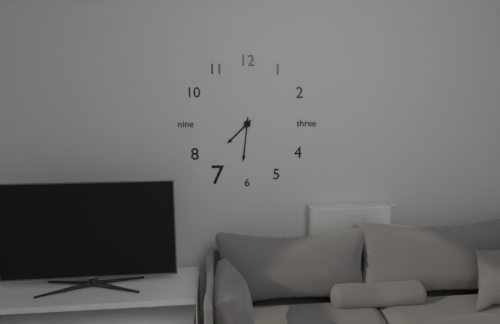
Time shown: 7:31
